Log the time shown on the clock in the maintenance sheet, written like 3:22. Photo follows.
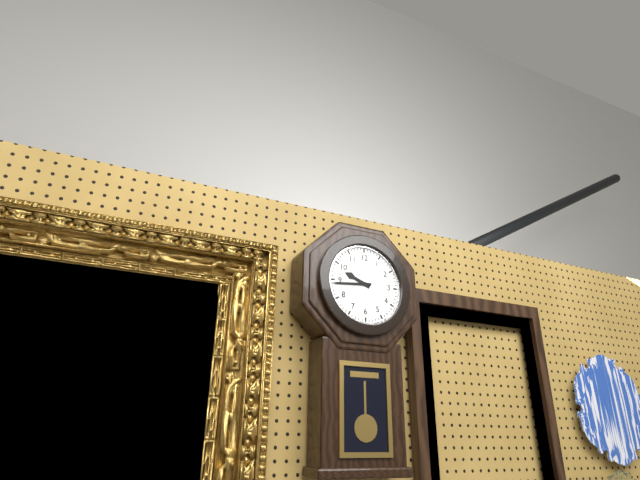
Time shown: 9:44
